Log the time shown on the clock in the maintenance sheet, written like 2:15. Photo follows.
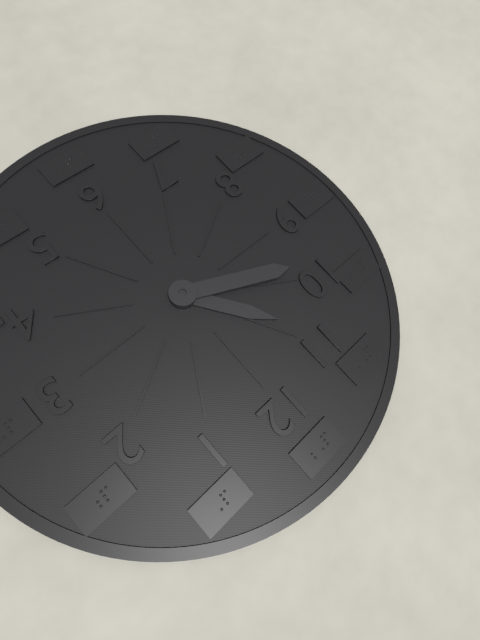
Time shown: 10:49
